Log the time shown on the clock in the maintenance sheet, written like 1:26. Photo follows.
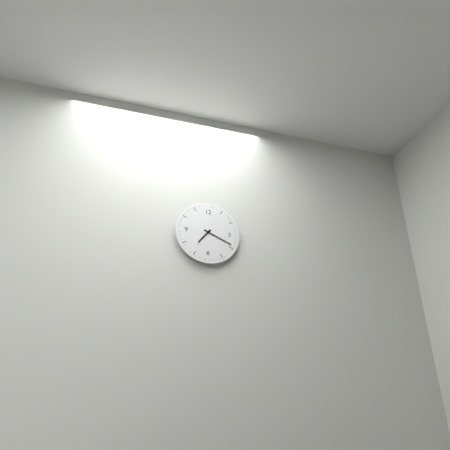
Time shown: 7:19
